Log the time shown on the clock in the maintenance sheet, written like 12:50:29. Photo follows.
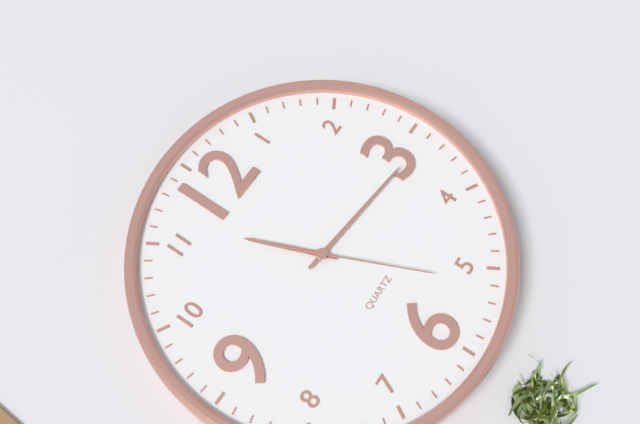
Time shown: 11:16:26
